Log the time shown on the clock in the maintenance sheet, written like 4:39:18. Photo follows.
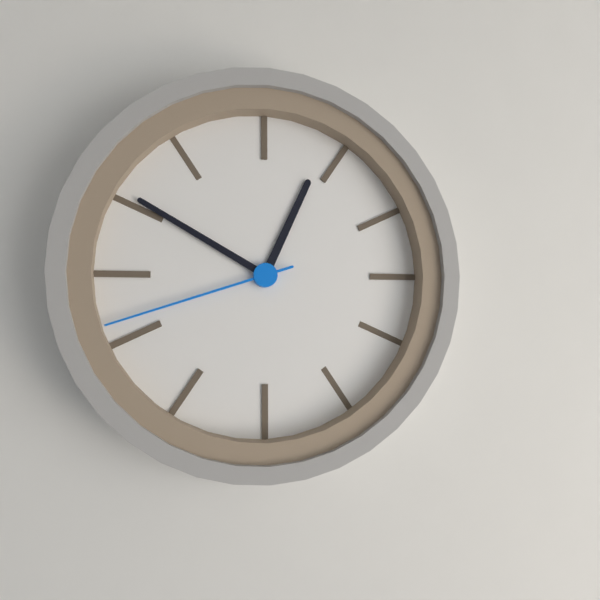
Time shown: 12:50:42
